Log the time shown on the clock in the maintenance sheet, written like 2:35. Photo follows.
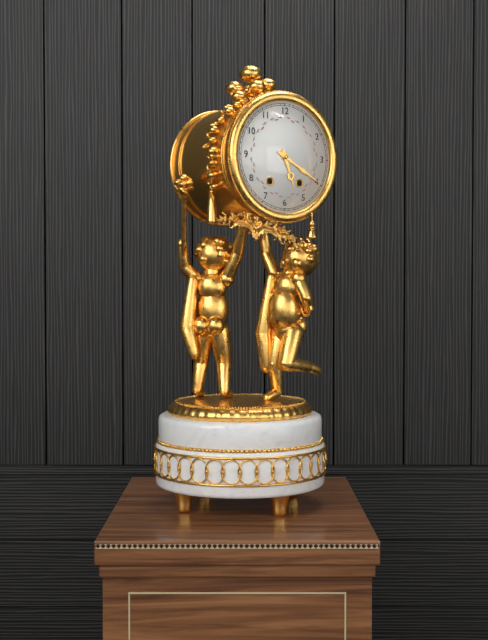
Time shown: 5:20
